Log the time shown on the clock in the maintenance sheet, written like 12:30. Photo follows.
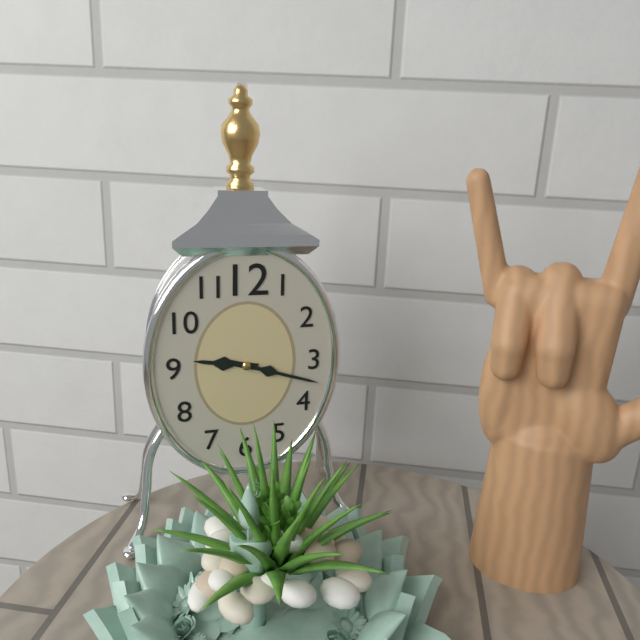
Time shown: 9:18
